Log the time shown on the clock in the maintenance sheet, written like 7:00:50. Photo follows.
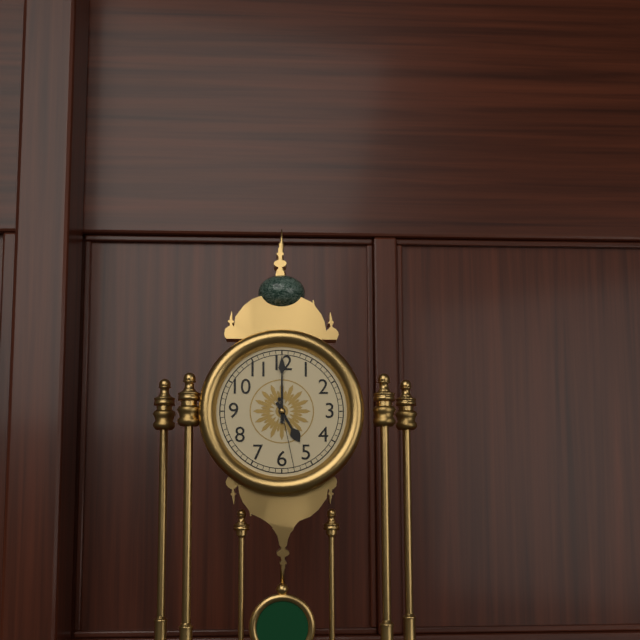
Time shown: 5:00:28
